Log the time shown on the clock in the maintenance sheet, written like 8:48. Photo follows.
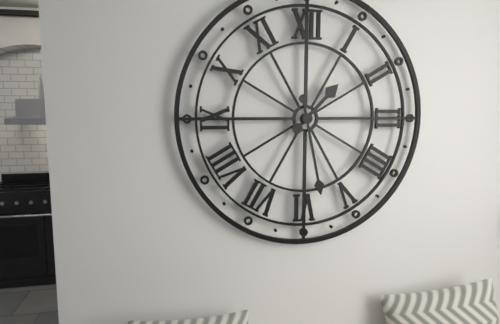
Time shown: 1:28
